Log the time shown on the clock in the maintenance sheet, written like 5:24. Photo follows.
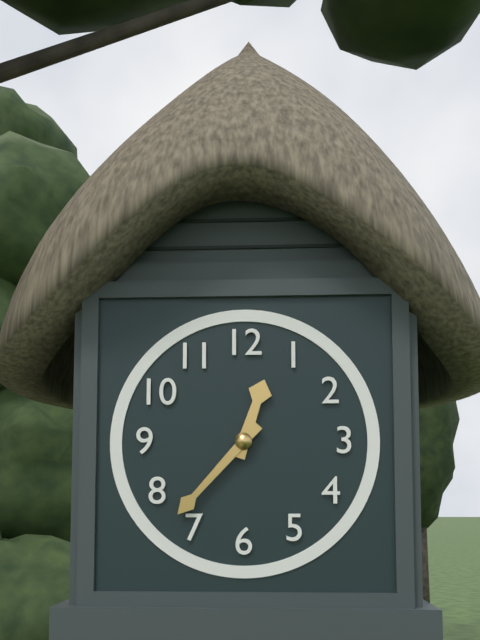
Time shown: 12:37
